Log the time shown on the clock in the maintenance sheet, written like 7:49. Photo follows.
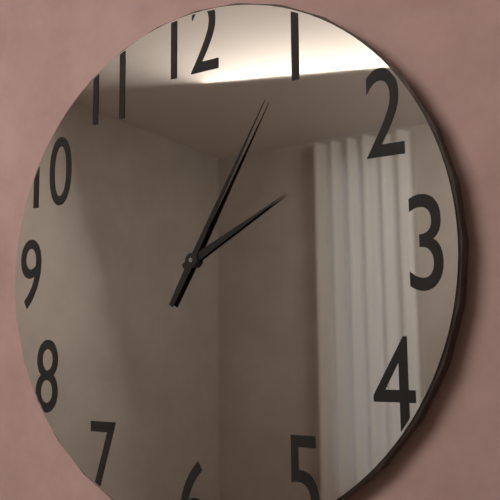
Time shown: 2:05
